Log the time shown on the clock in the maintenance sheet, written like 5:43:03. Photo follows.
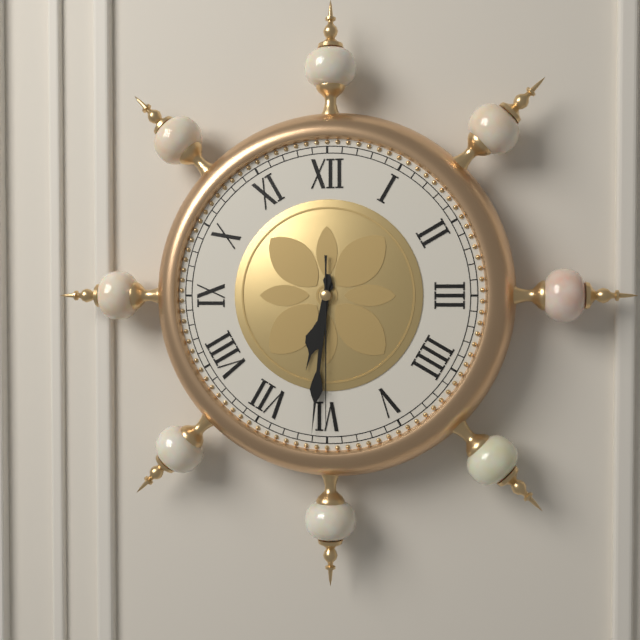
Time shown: 6:31:30
